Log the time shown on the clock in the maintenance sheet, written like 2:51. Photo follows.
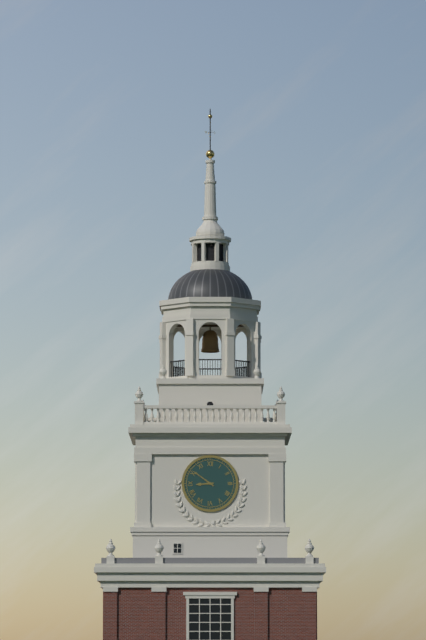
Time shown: 8:51
